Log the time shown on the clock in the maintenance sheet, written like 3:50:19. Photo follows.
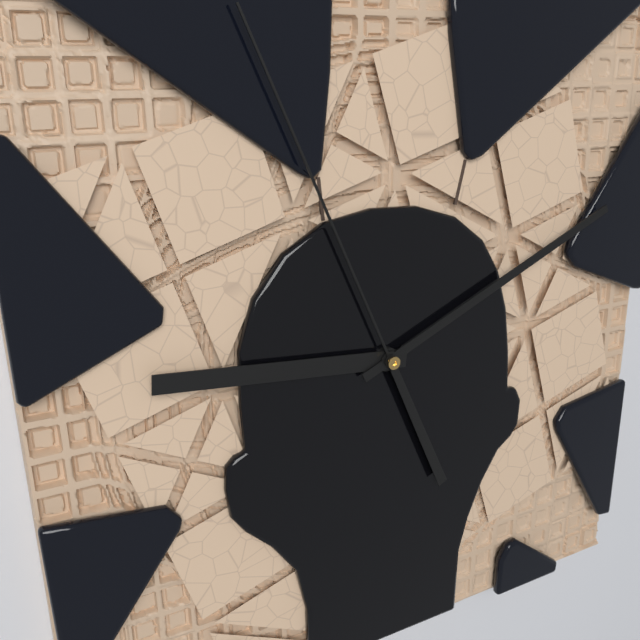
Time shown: 9:11:56
